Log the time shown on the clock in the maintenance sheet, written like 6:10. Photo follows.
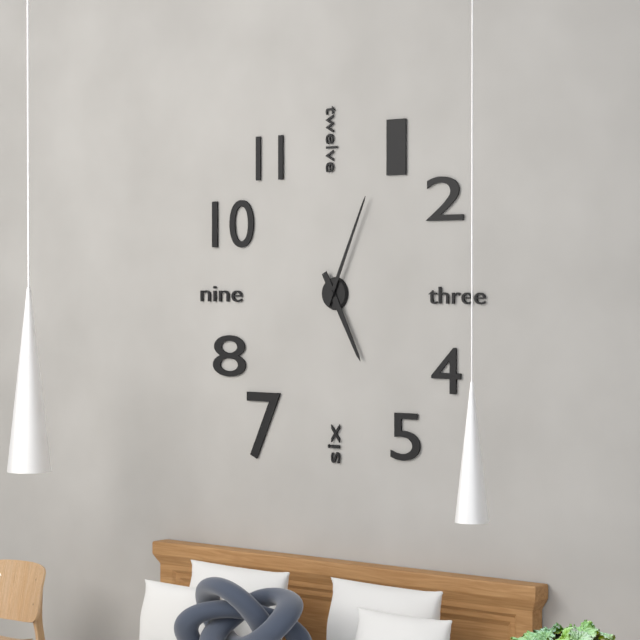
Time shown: 5:04
